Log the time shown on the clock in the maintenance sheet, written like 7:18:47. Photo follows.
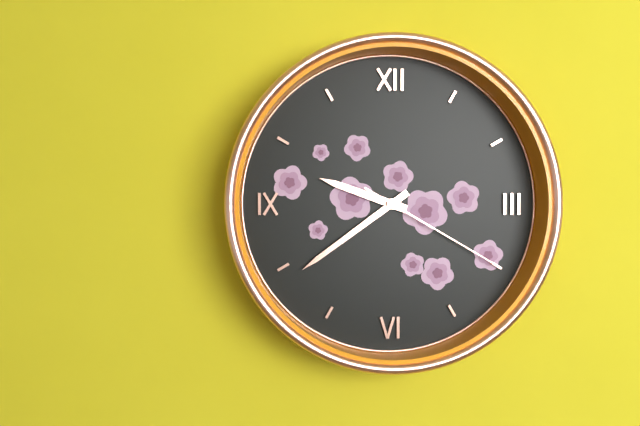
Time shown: 9:39:20
